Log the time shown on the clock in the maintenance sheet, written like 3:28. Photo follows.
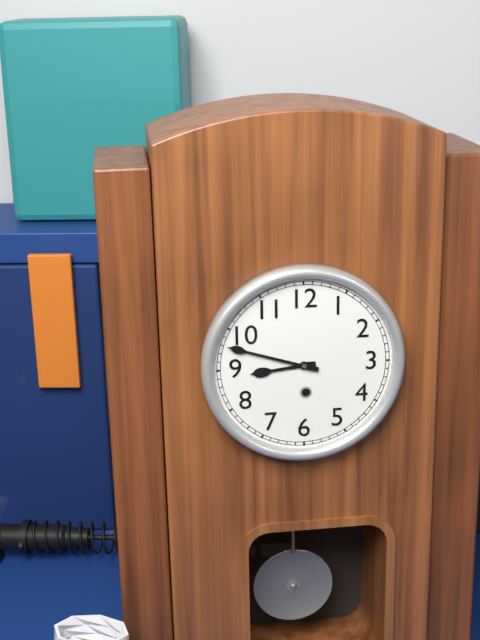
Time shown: 8:48
